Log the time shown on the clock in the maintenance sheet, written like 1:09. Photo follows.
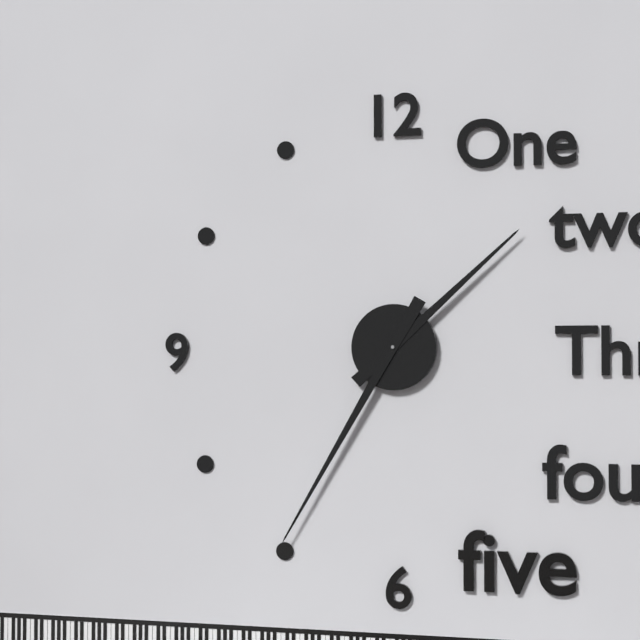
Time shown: 1:35
